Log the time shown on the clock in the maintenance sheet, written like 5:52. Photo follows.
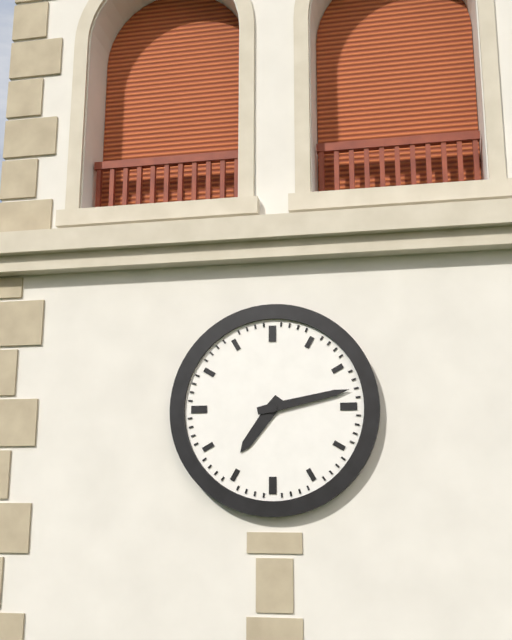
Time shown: 7:13
